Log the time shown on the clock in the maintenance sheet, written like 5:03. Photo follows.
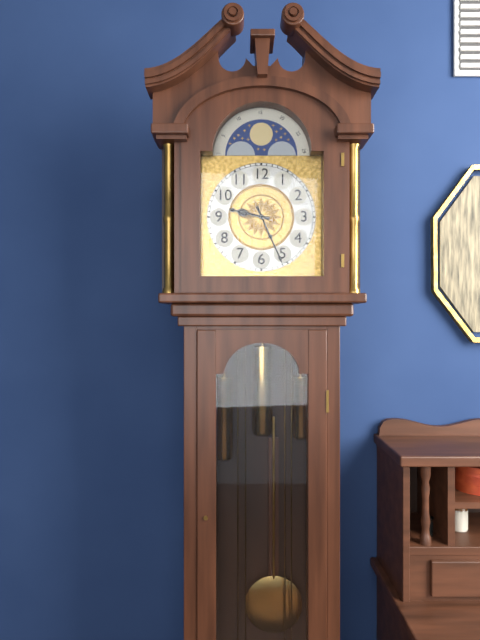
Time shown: 9:26
